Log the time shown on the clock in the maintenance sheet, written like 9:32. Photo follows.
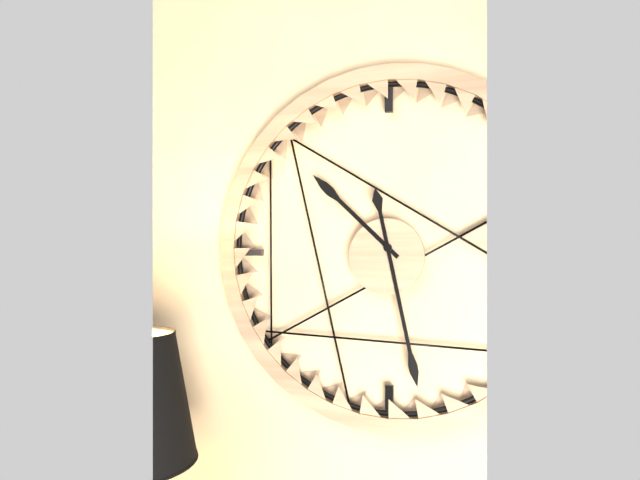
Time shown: 10:28
